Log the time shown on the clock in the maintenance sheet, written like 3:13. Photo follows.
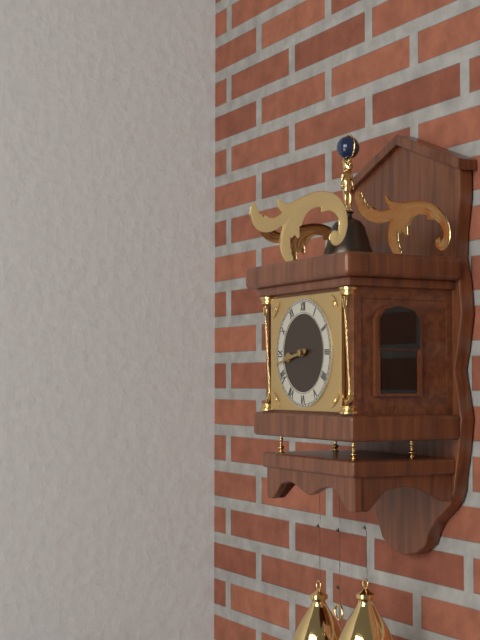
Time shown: 8:43
